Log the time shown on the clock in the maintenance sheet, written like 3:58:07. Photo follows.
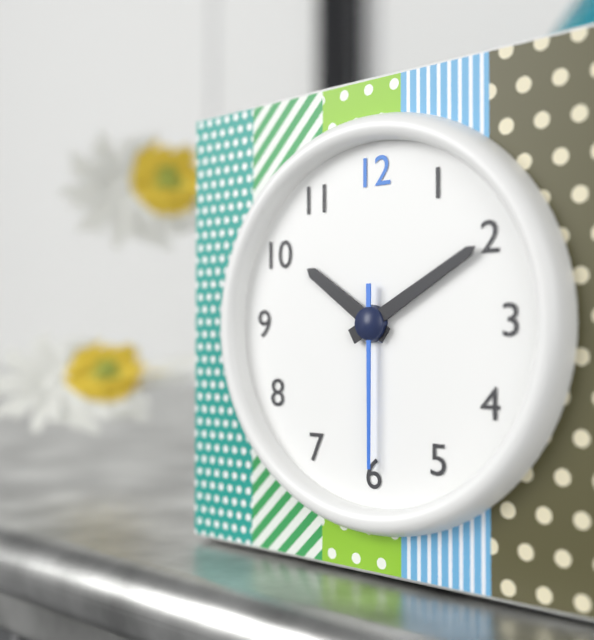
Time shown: 10:10:30
